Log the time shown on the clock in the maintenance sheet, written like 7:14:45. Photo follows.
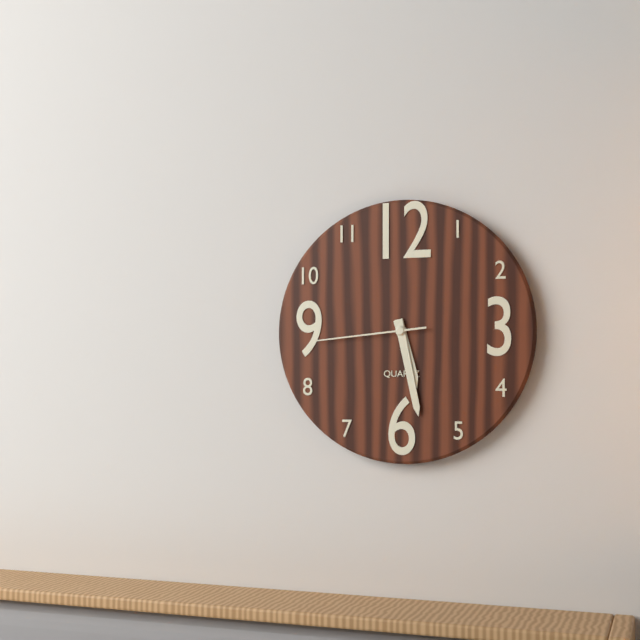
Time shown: 5:28:44
